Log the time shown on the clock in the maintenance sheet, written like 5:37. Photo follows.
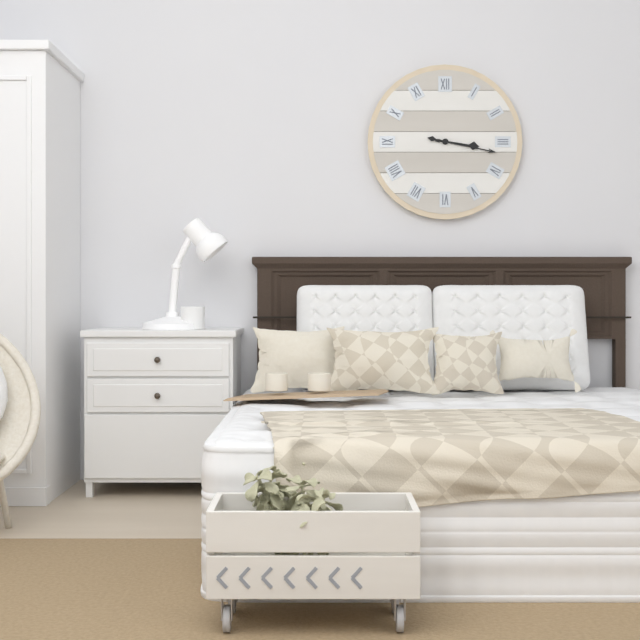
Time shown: 3:17
